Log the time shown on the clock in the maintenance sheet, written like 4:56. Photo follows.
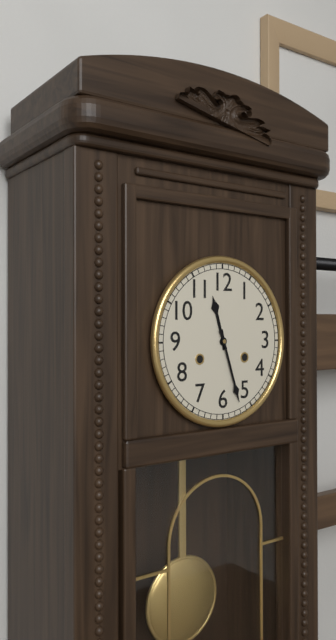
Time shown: 11:27
